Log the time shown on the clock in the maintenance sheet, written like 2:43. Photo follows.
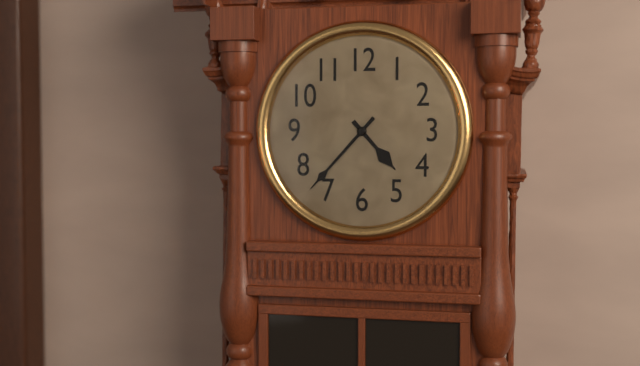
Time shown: 4:37
